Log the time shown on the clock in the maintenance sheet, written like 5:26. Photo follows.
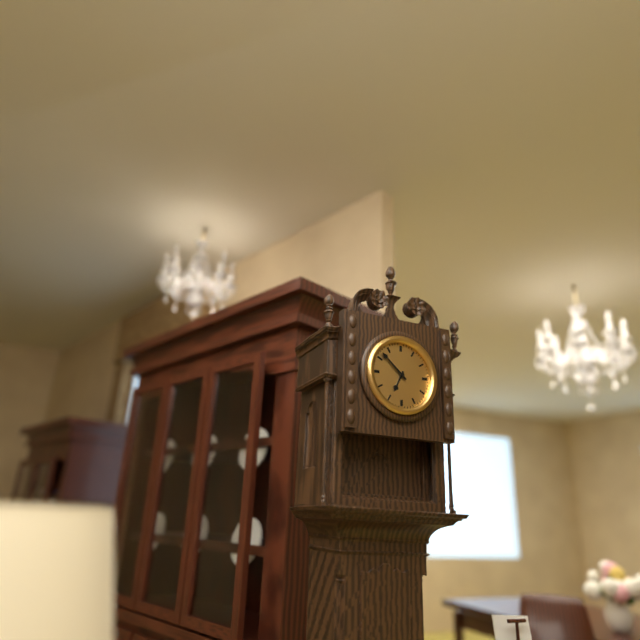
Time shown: 6:52
